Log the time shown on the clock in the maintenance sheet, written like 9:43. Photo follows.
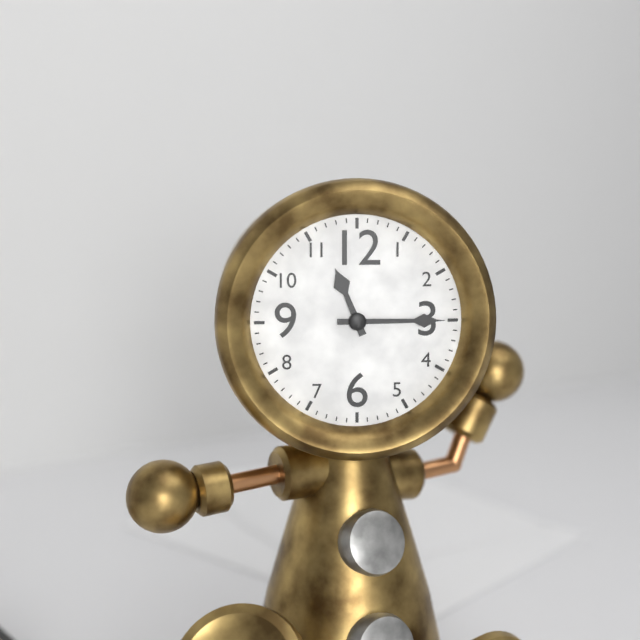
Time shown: 11:15
